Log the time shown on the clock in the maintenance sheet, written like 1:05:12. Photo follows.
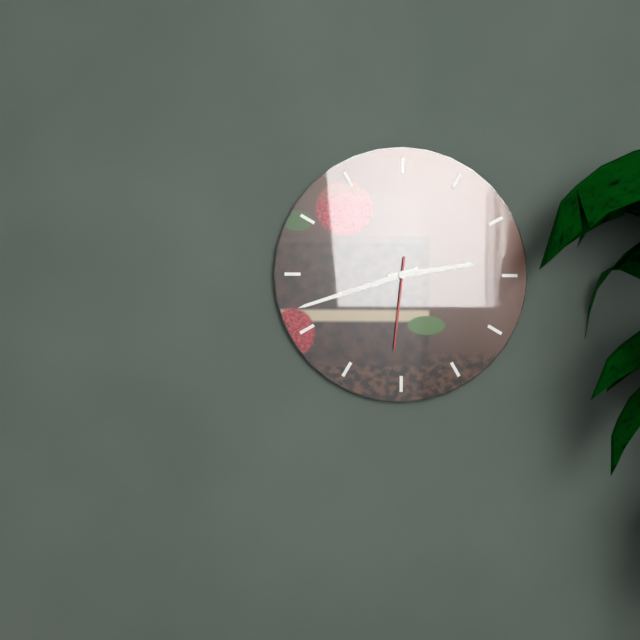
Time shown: 2:42:31
